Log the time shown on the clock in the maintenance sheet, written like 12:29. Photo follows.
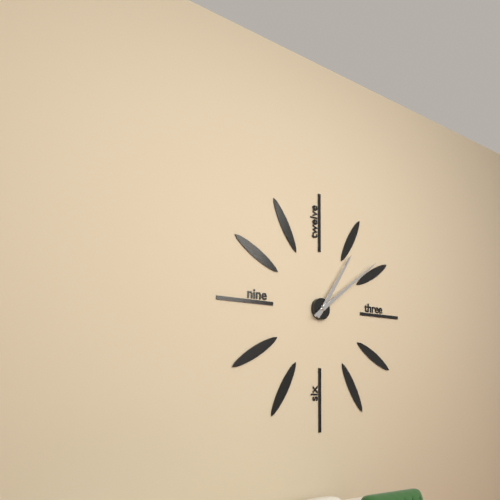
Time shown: 1:09
